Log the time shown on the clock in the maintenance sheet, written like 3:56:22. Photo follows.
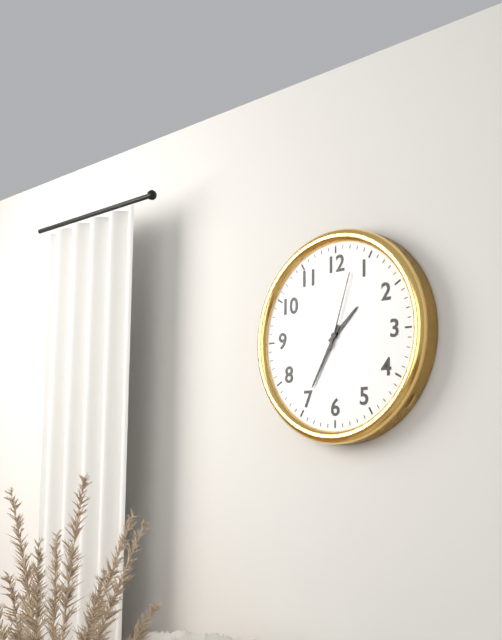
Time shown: 1:35:03
